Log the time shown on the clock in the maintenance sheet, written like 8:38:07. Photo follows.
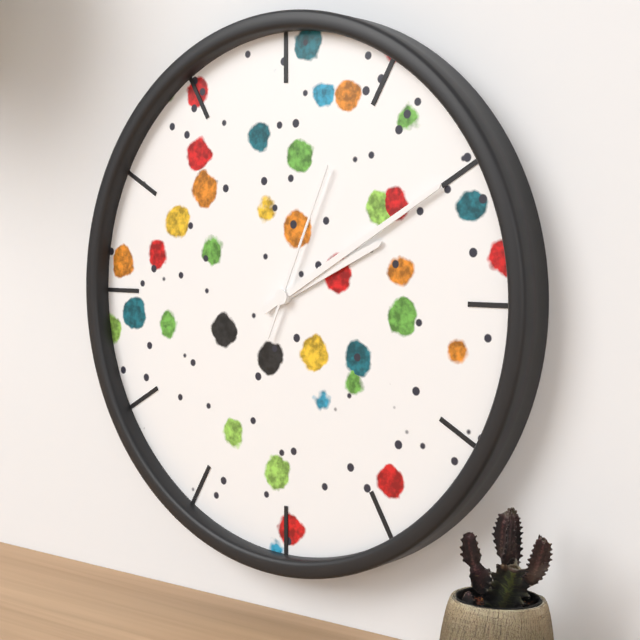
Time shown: 2:10:04
